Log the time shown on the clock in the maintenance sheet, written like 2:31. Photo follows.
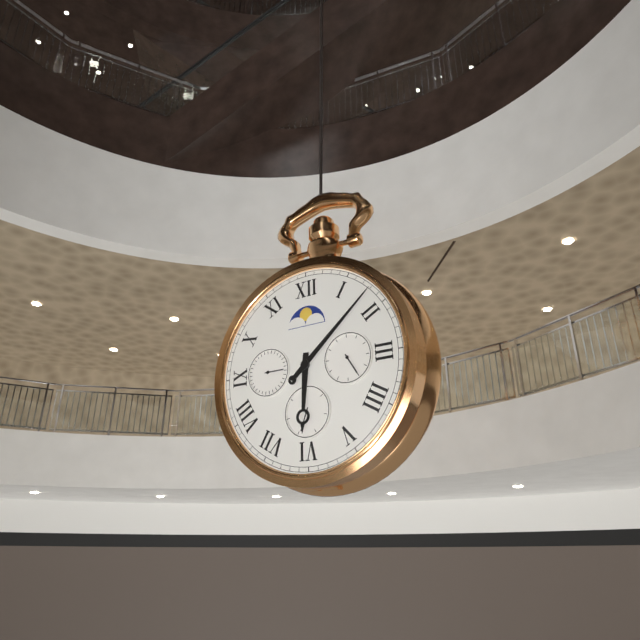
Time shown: 6:08
